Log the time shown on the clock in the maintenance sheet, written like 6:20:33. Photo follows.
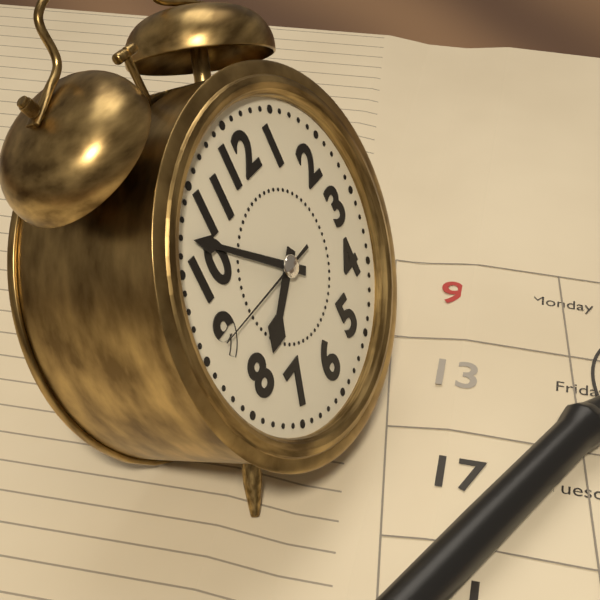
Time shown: 7:52:45
